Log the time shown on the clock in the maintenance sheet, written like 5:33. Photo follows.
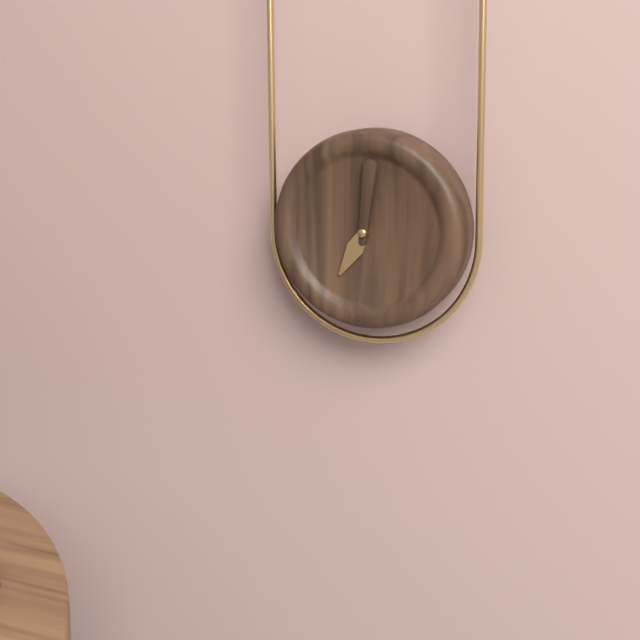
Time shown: 7:01
